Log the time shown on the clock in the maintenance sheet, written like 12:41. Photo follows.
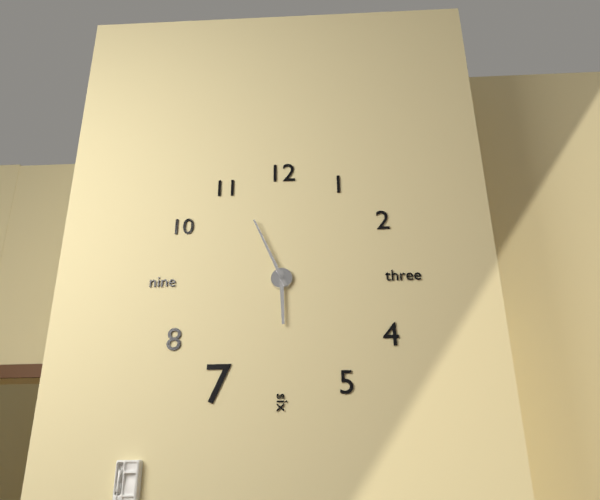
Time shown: 5:56
